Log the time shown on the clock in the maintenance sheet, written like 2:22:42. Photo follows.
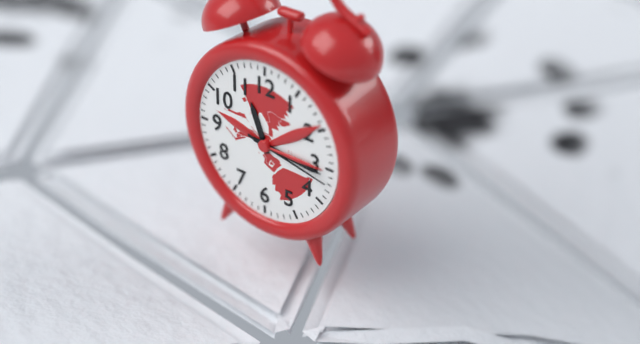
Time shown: 11:16:17
